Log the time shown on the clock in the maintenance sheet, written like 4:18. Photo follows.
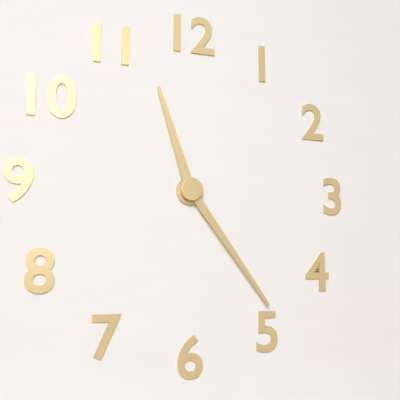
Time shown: 11:24
